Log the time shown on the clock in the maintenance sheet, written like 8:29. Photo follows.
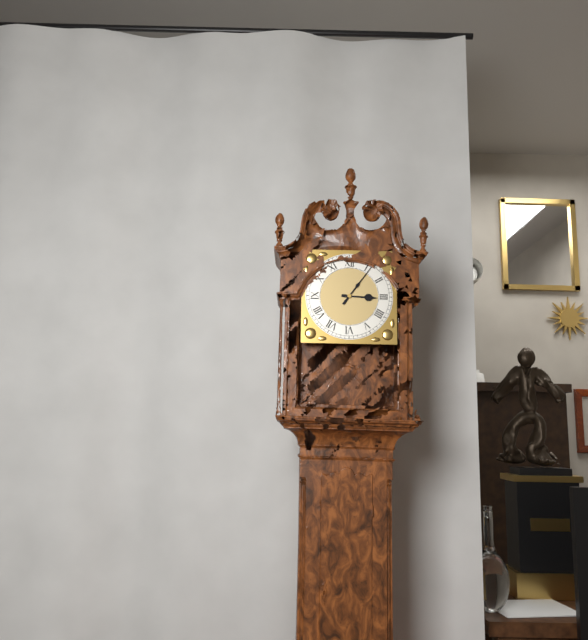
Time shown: 3:06
